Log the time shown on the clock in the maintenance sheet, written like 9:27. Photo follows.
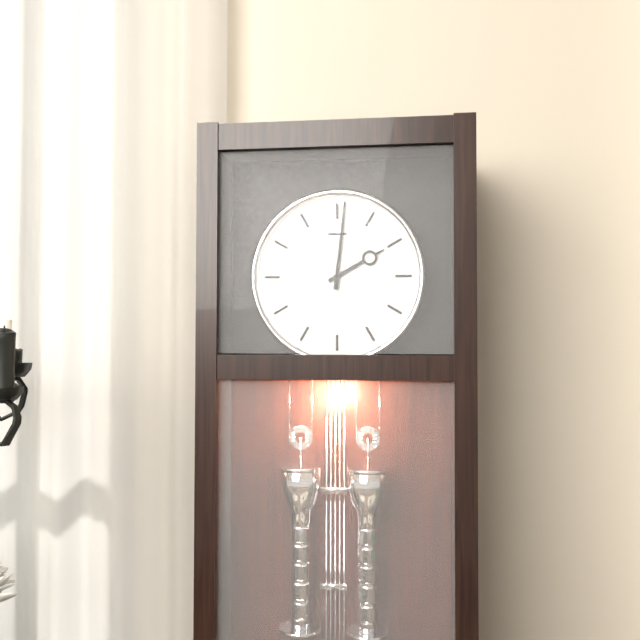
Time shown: 2:01
